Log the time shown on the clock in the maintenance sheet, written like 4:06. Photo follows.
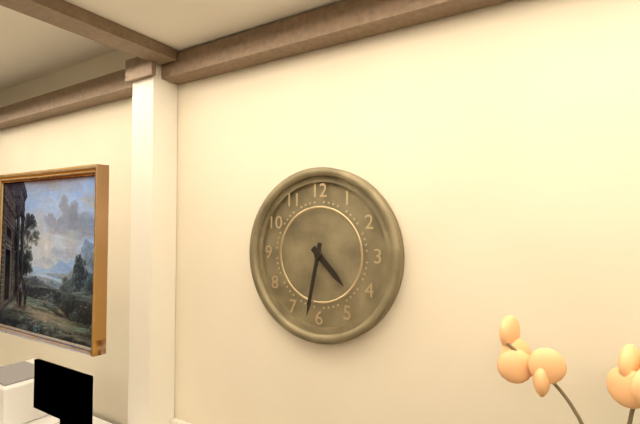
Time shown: 4:32
